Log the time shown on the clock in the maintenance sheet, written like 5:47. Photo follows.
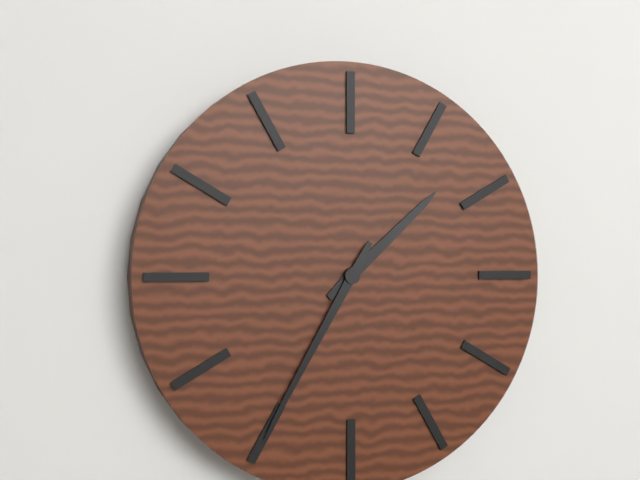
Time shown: 1:35
